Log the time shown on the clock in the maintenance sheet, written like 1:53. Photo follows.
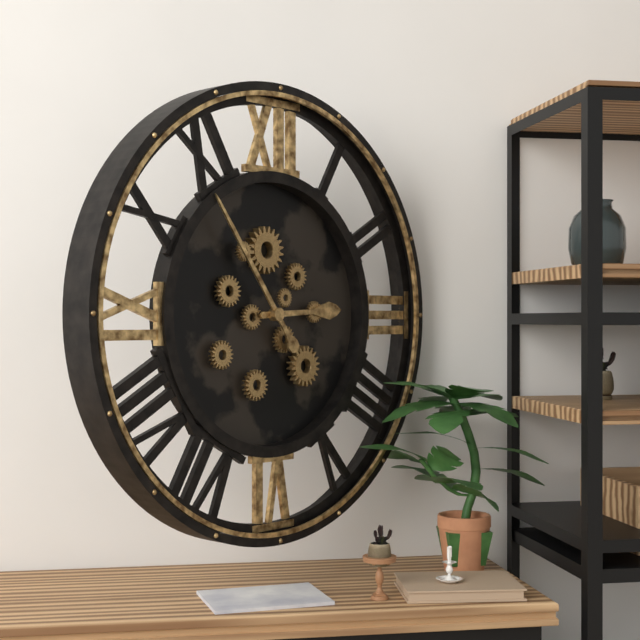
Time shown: 2:54
